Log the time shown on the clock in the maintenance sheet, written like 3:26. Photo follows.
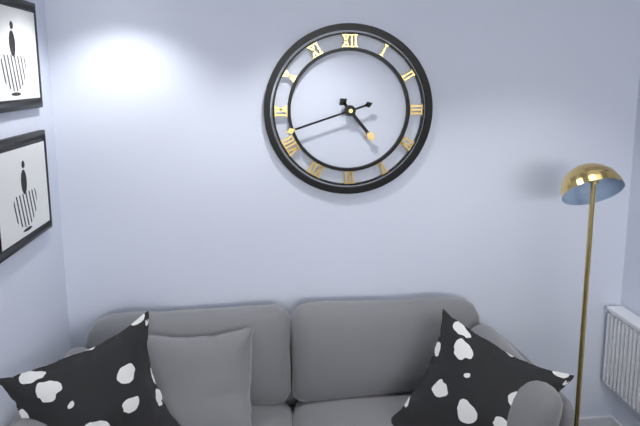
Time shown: 4:42
